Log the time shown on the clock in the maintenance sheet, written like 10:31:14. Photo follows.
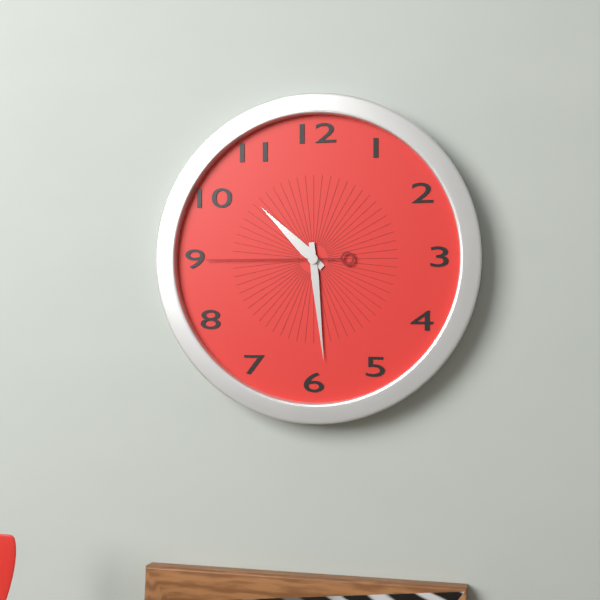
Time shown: 10:29:45
